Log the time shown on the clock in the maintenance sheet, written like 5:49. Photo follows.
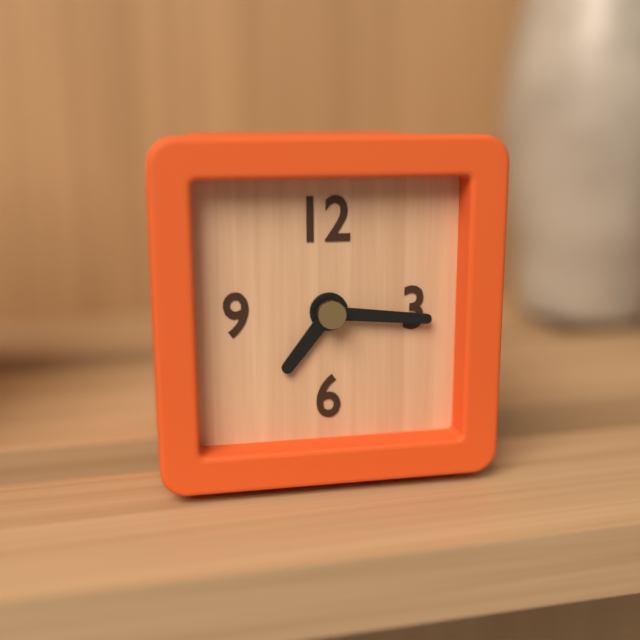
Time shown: 7:16
